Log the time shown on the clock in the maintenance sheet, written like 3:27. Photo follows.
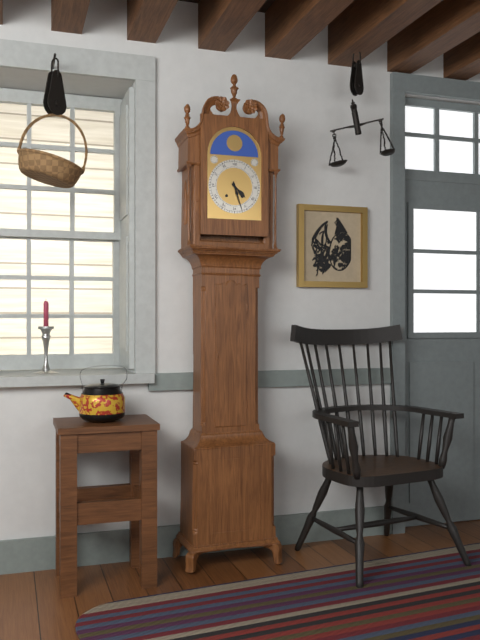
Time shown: 4:27
